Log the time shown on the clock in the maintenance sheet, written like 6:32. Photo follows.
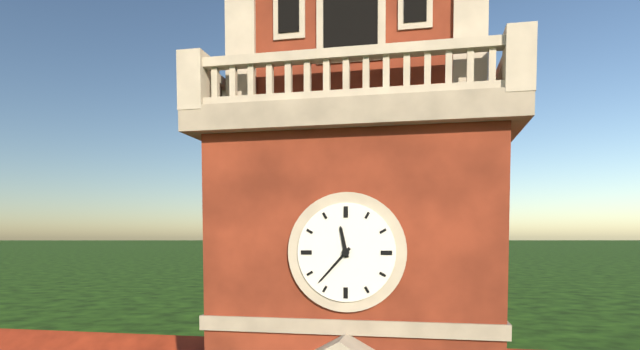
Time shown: 11:37
